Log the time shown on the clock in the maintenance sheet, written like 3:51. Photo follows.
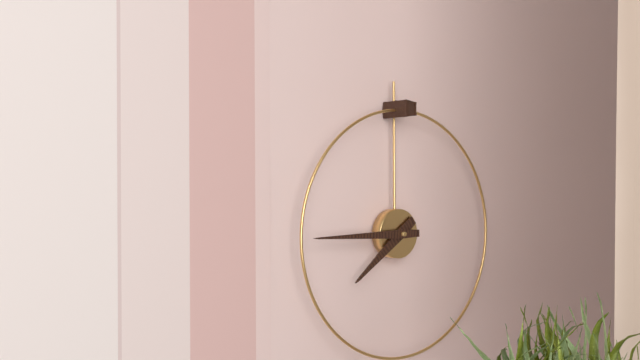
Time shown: 7:45
